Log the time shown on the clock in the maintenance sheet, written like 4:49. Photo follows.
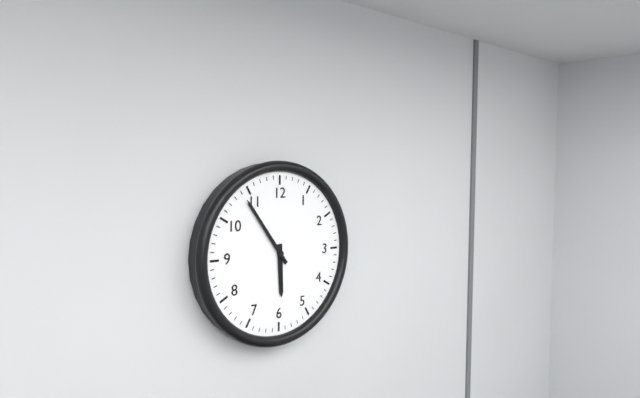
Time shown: 5:54
